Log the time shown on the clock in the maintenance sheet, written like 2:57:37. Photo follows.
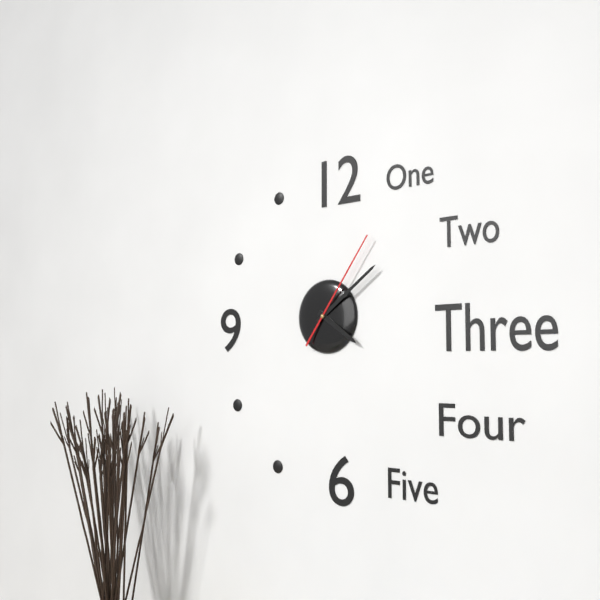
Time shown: 4:09:06
